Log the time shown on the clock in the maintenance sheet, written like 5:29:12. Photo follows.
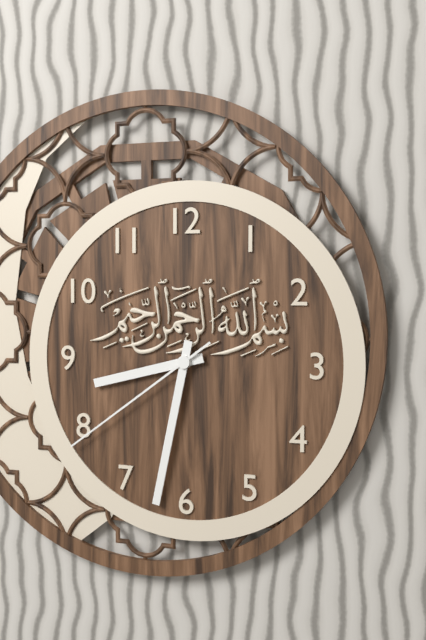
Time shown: 8:32:39
